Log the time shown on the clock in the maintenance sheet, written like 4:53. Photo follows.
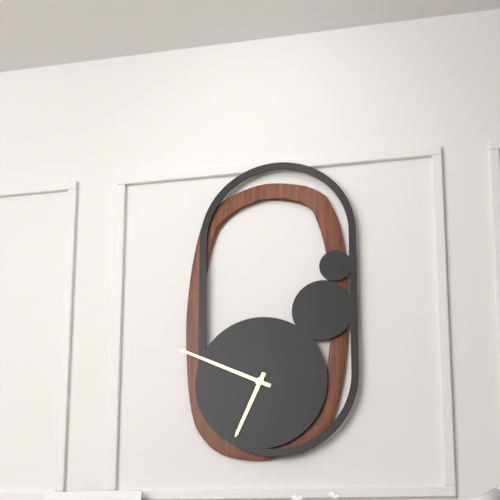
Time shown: 6:49
